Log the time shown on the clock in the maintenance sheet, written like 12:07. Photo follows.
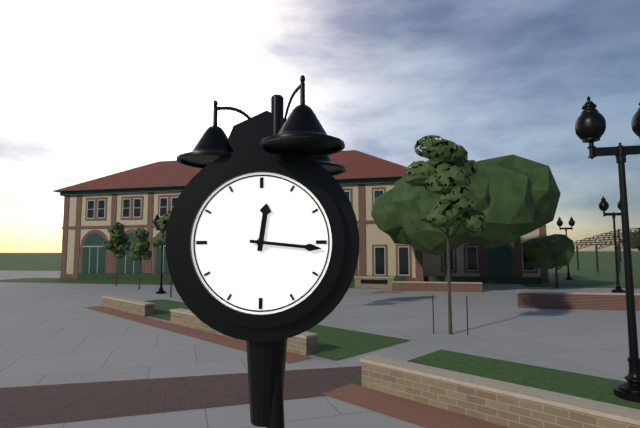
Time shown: 12:16
